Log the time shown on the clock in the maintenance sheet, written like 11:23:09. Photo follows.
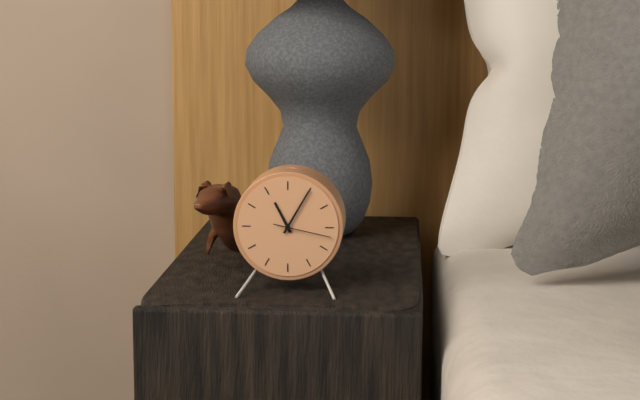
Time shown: 11:05:17
